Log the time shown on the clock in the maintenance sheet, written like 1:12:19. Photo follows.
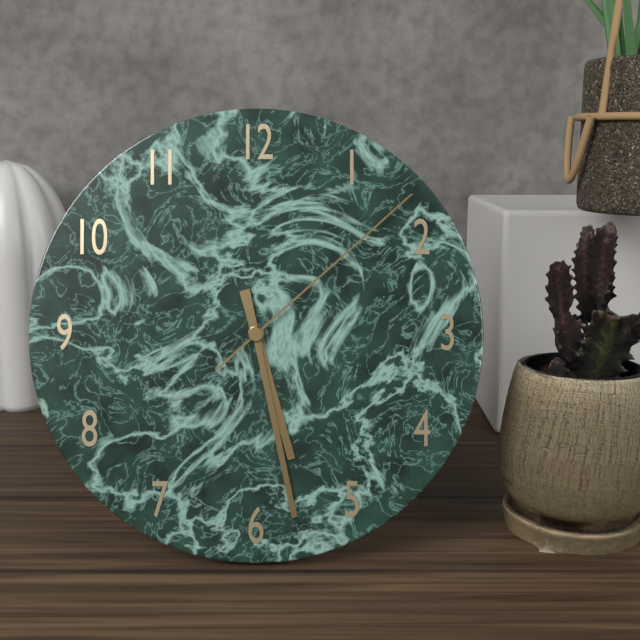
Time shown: 5:28:08
